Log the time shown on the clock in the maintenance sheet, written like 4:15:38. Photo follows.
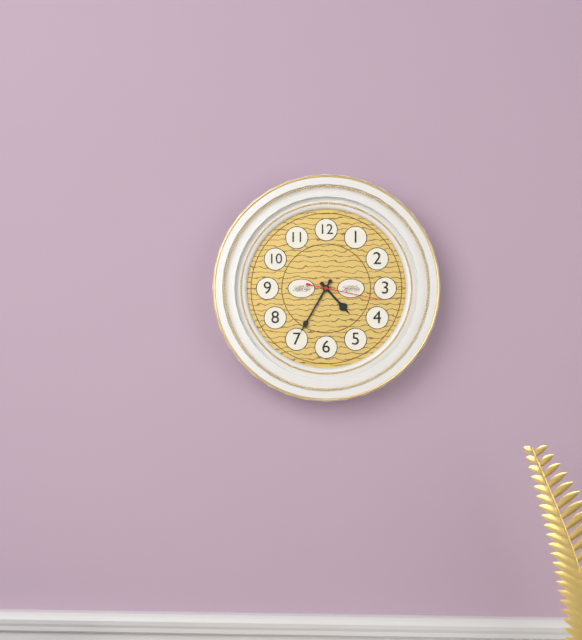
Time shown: 4:35:17
